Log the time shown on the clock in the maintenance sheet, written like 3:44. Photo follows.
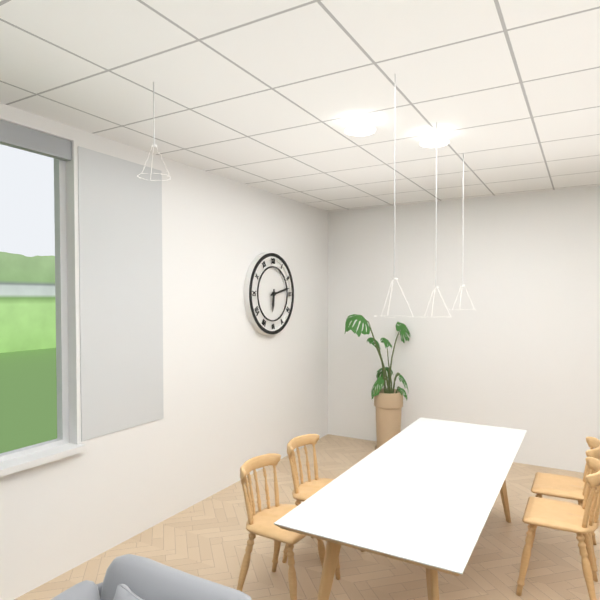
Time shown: 6:13
